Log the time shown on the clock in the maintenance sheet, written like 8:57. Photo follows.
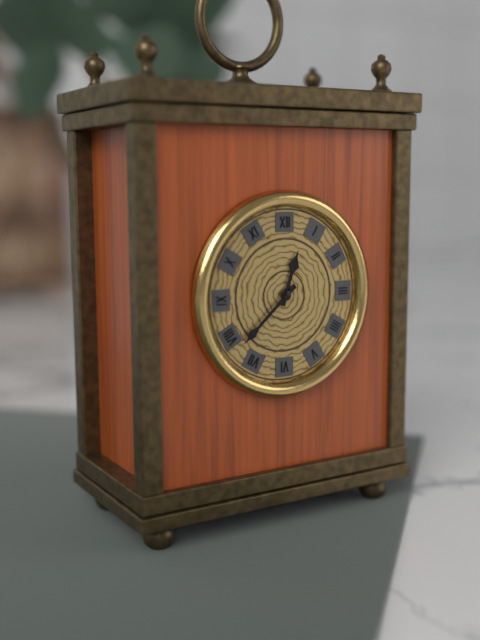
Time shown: 12:38
